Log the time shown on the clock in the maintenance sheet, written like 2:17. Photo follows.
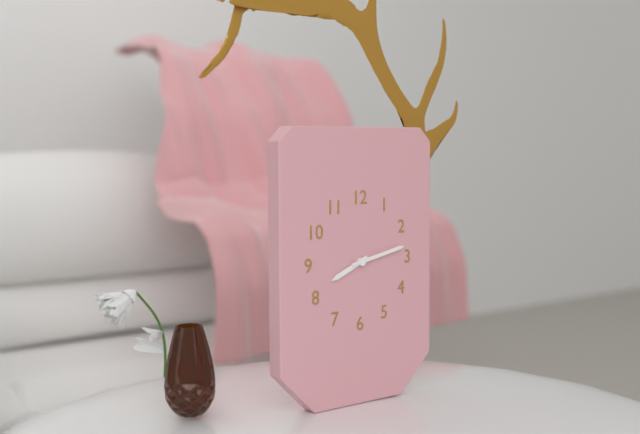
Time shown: 8:13
